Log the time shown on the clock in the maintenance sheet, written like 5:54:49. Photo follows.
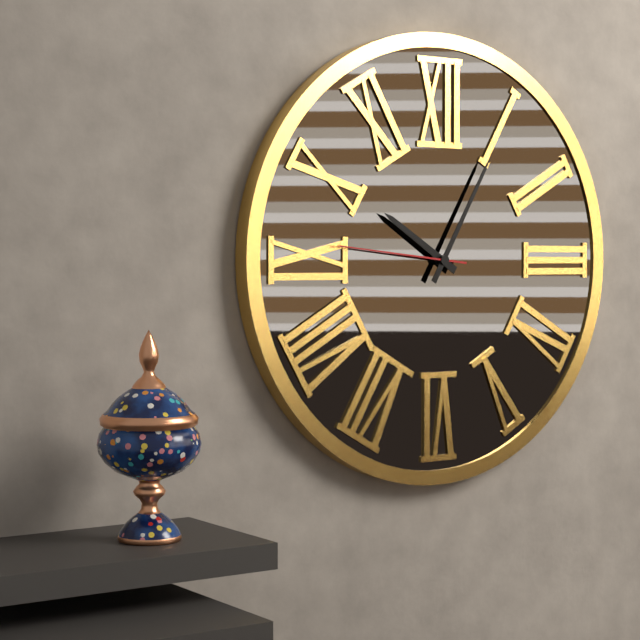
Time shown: 10:05:46
